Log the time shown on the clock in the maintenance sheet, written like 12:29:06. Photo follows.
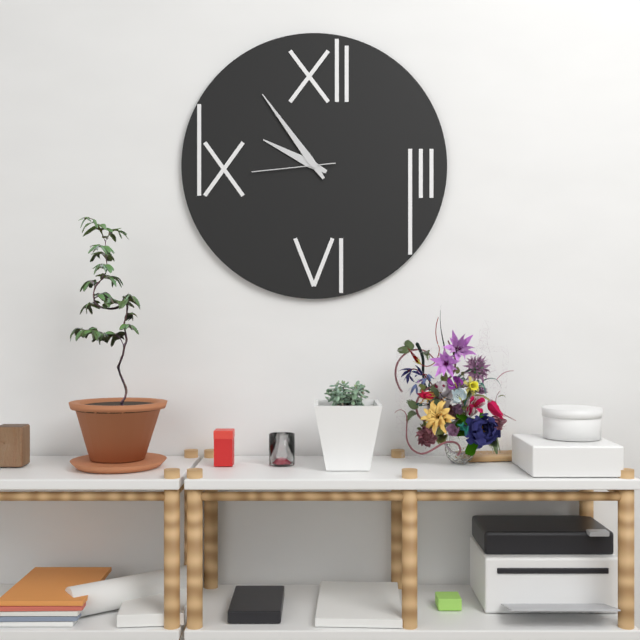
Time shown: 9:54:44
